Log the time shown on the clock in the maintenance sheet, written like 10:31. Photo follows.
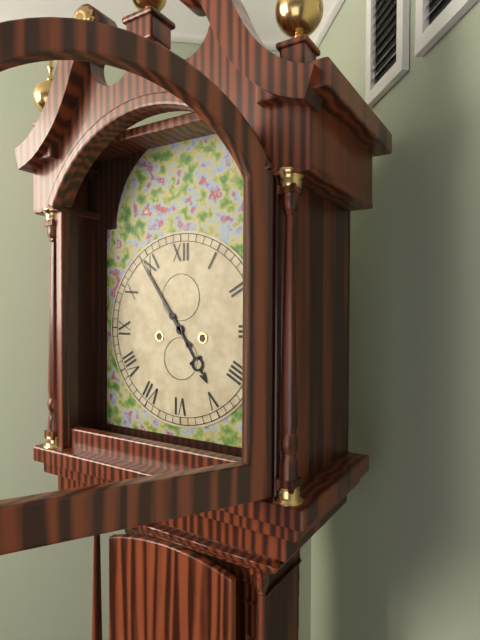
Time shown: 4:54
